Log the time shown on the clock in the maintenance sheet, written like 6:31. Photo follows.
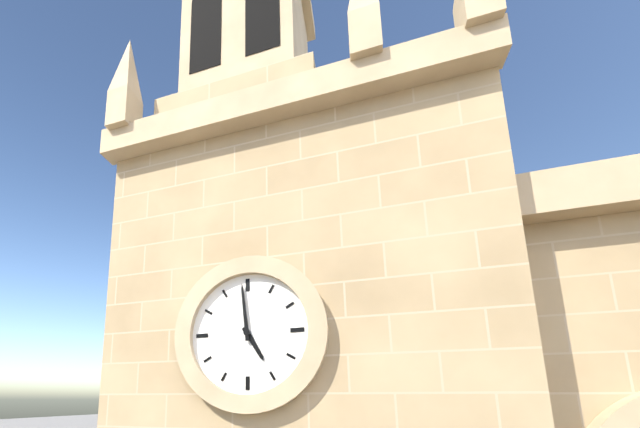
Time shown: 4:59
